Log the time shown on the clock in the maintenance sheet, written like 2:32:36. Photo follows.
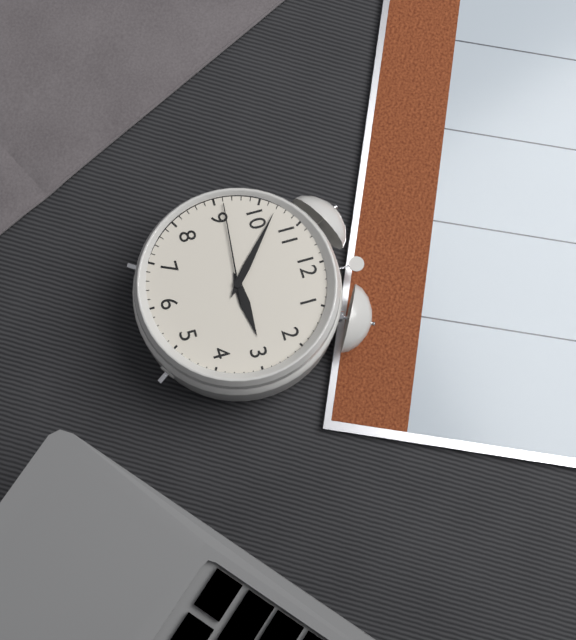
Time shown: 2:52:46
